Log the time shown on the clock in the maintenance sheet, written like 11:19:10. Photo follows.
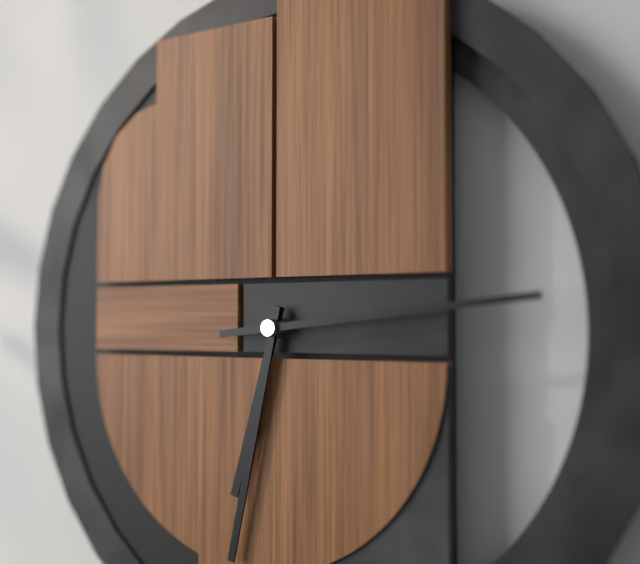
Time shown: 6:32:14
